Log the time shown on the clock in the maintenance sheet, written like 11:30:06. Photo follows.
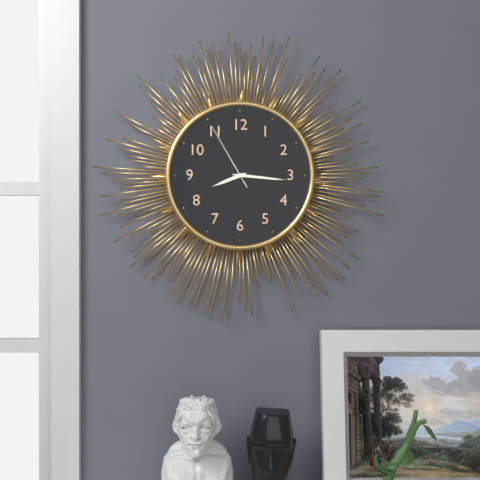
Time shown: 8:16:55
